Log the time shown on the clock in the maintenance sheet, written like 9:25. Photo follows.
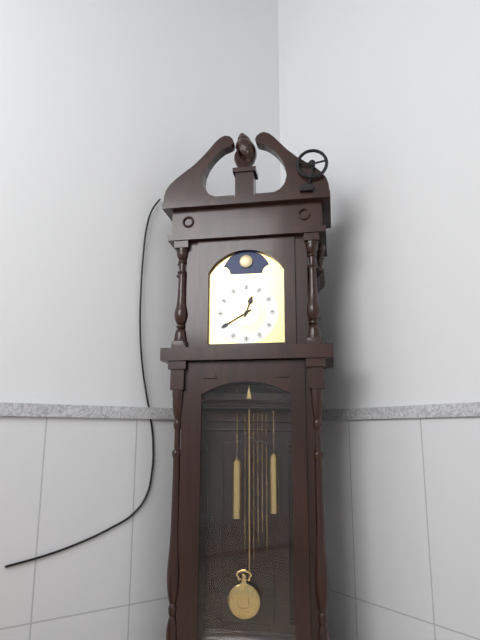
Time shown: 12:40
